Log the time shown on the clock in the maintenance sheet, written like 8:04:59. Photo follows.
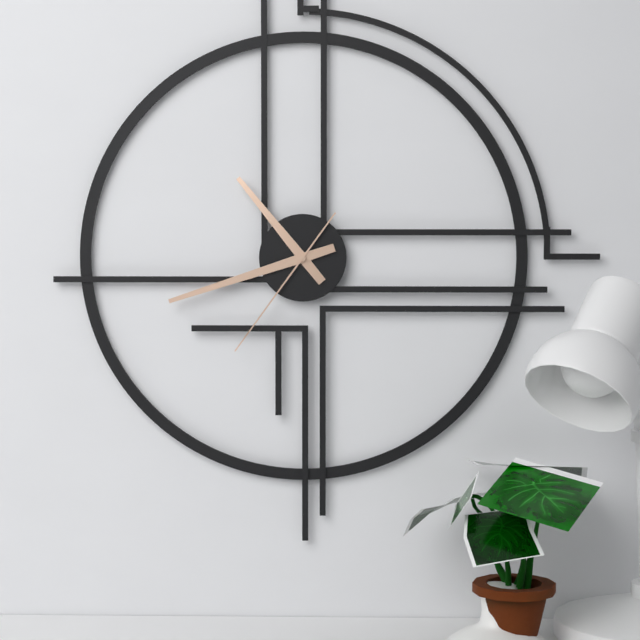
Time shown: 10:42:36
